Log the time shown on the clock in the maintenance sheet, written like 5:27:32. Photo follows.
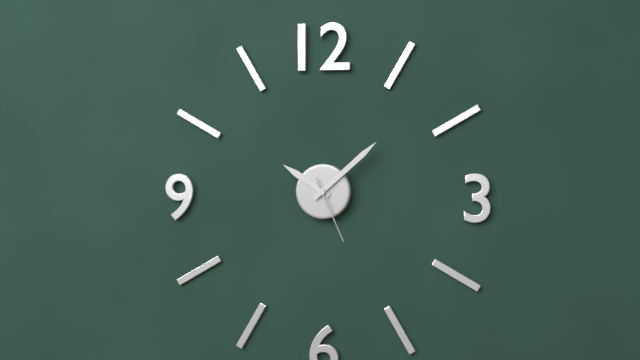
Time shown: 10:08:26
